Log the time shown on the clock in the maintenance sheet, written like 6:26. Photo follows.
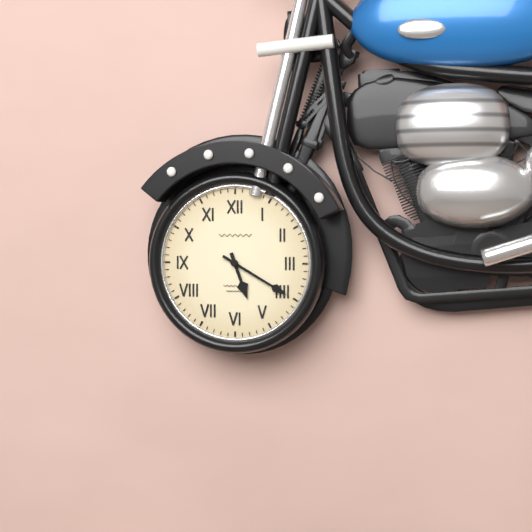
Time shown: 5:20
